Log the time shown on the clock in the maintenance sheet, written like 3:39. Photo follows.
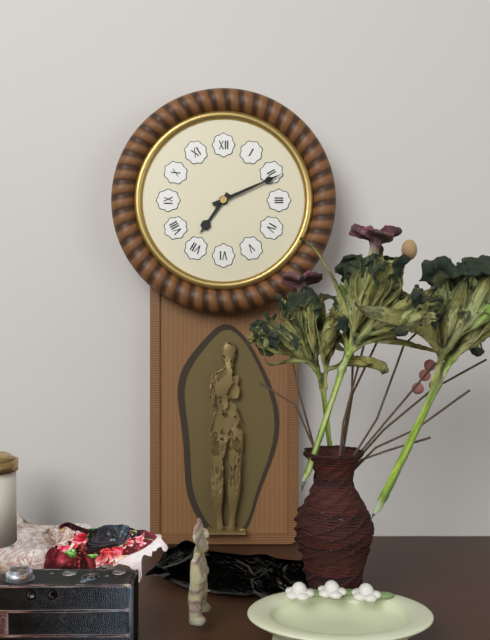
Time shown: 7:11
